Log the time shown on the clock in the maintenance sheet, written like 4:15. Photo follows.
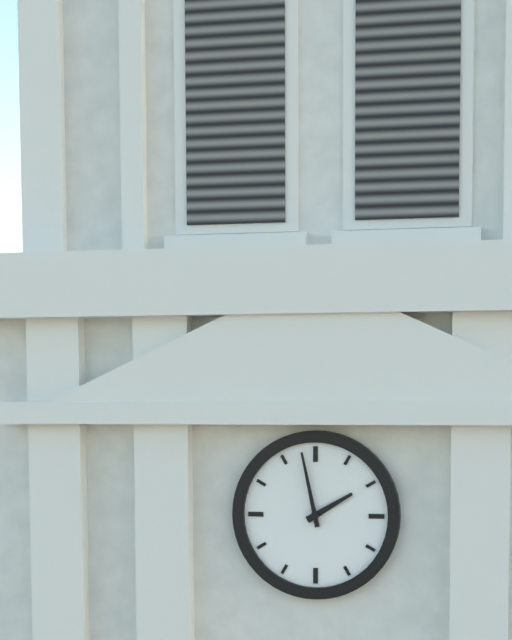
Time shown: 1:58
